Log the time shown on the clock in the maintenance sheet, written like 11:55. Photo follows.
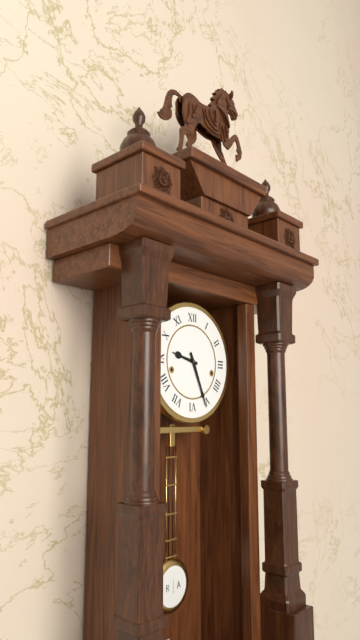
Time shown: 9:26
